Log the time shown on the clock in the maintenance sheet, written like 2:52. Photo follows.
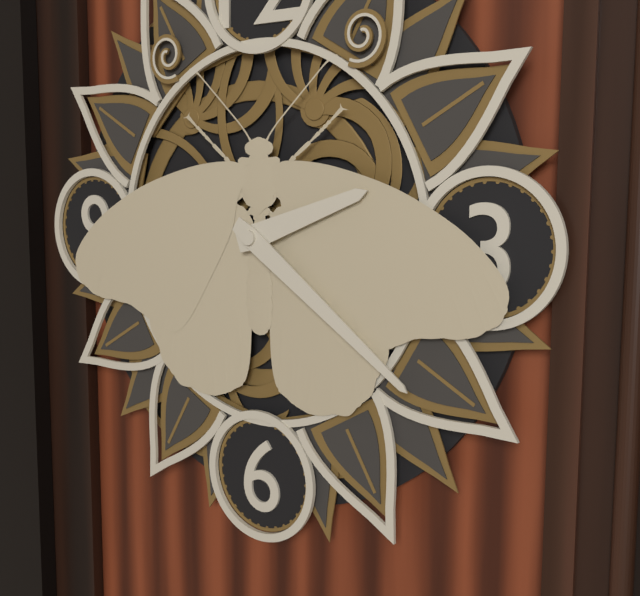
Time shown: 2:21
